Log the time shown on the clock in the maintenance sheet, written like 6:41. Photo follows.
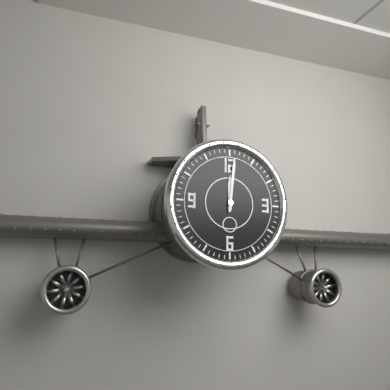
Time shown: 12:01
